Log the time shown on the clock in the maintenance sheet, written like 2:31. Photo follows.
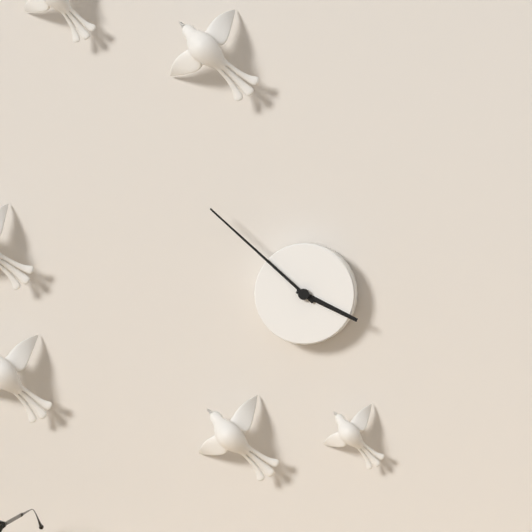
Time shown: 3:52
